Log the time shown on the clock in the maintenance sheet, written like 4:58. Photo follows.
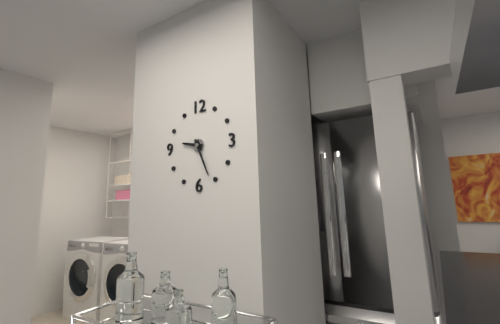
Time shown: 9:26
